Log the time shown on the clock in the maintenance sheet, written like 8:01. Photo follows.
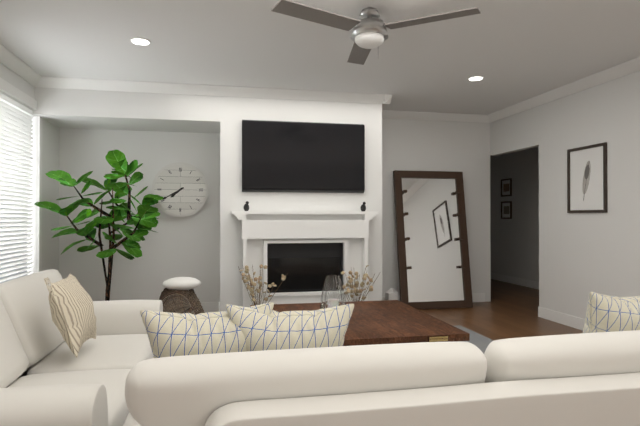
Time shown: 7:40
